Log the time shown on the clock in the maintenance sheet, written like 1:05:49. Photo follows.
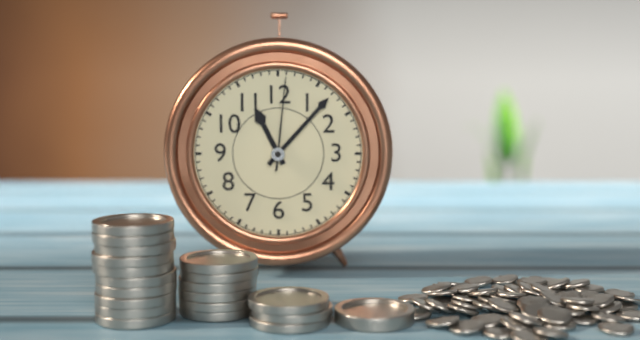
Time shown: 11:07:01
